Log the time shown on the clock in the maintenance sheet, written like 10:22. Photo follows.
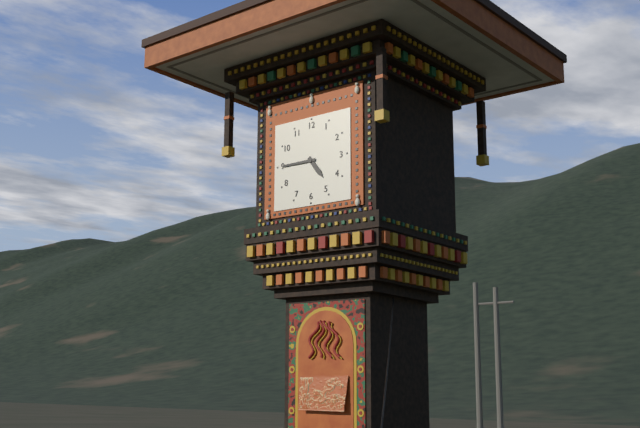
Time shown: 4:45
